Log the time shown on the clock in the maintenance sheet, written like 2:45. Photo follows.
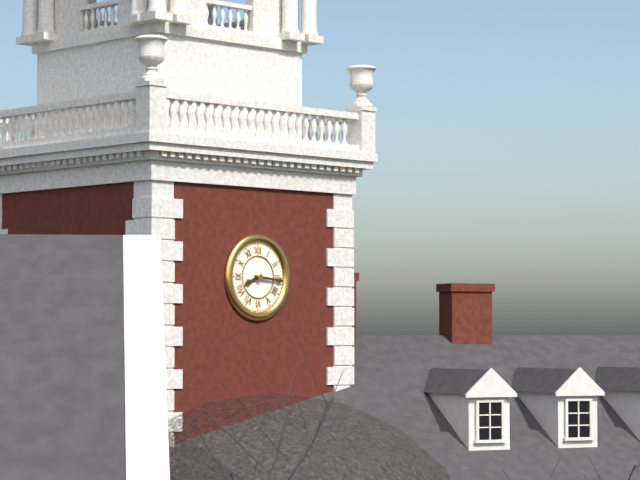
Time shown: 8:16
